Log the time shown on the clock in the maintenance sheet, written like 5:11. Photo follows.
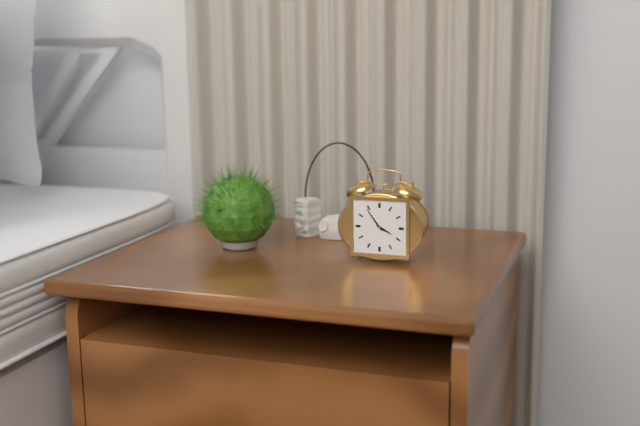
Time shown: 3:54
